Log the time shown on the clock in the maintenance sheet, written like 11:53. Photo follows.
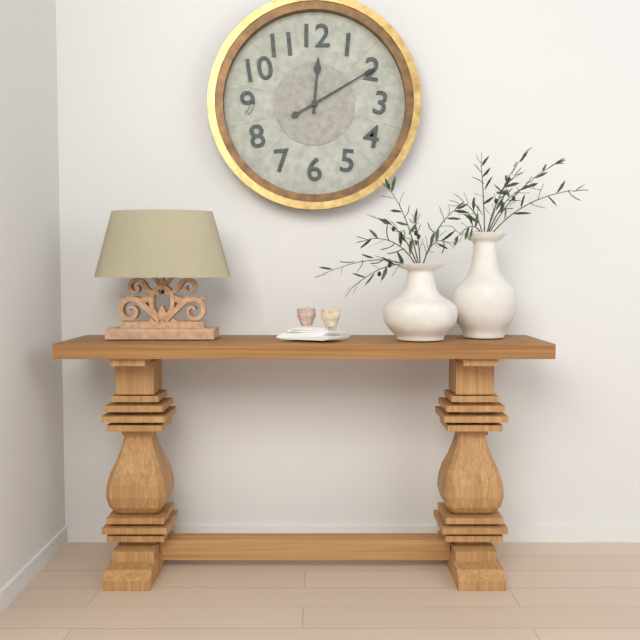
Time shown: 12:10
